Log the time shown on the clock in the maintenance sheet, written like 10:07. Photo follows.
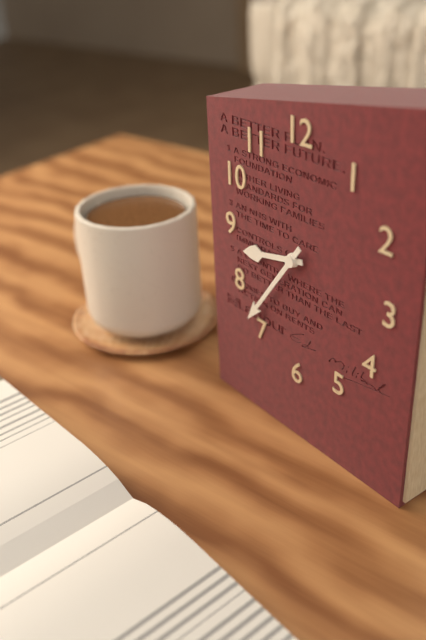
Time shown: 8:36
